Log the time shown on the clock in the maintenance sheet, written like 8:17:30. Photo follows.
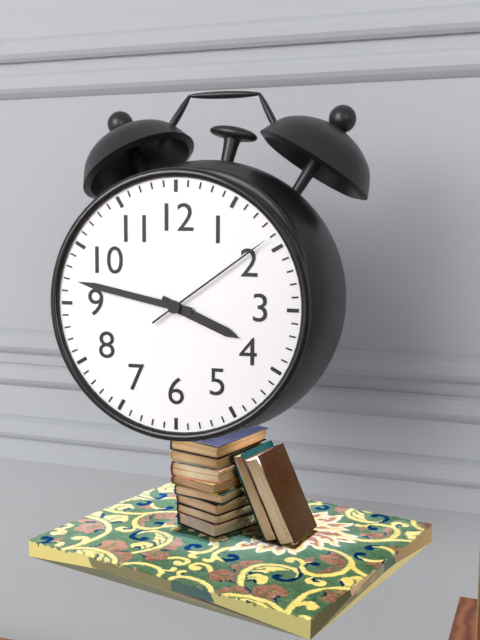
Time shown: 3:47:09
